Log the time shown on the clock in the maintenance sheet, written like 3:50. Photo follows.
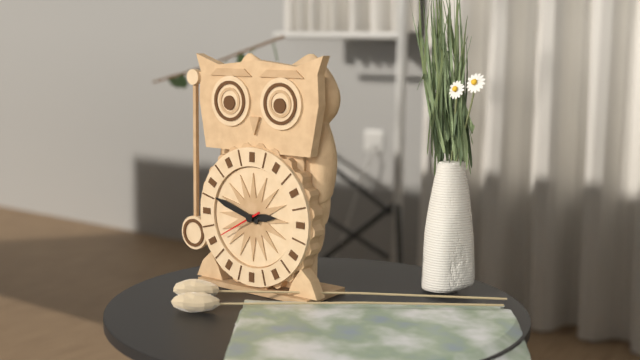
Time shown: 2:48
